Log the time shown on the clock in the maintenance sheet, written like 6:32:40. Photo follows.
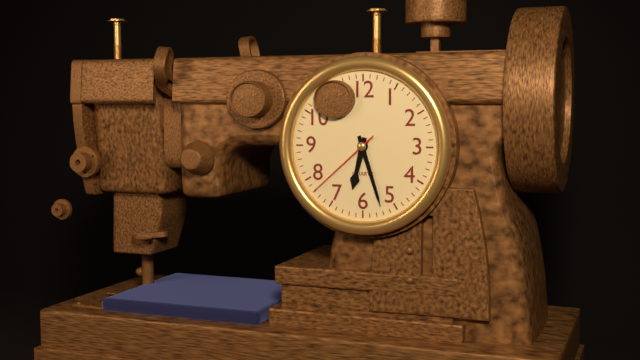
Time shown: 6:27:38
